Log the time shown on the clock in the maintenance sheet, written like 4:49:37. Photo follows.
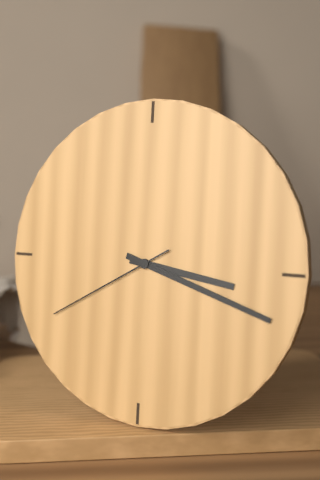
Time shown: 3:18:40
